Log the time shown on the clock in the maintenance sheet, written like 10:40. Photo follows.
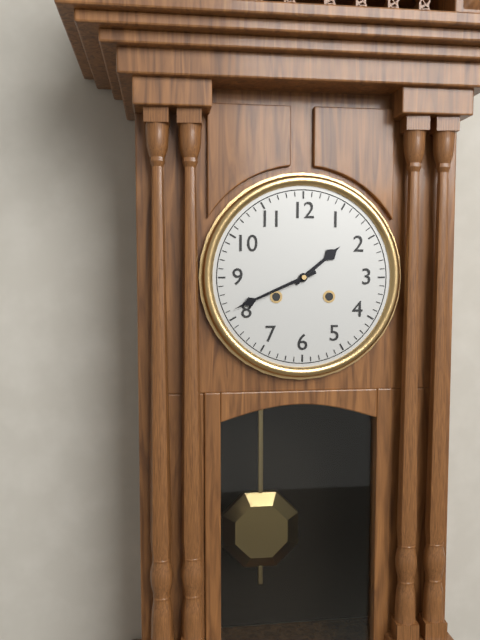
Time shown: 1:41
